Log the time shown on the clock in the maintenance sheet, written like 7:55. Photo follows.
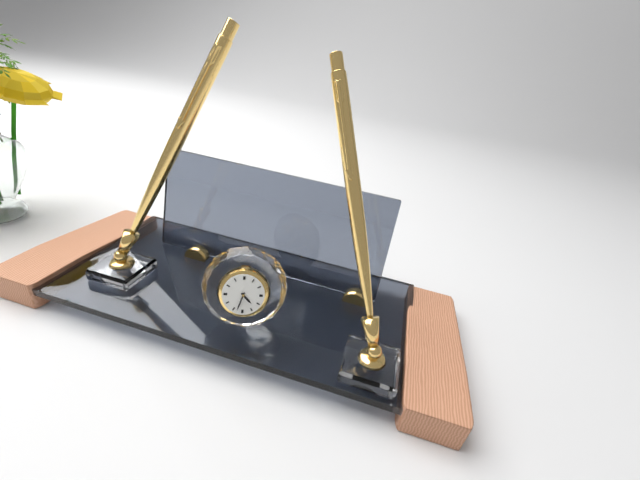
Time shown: 4:33
